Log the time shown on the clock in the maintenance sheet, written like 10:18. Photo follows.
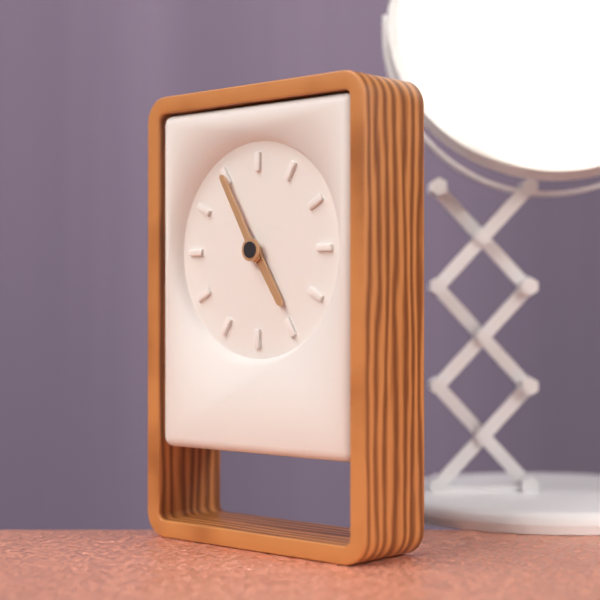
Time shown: 4:55
